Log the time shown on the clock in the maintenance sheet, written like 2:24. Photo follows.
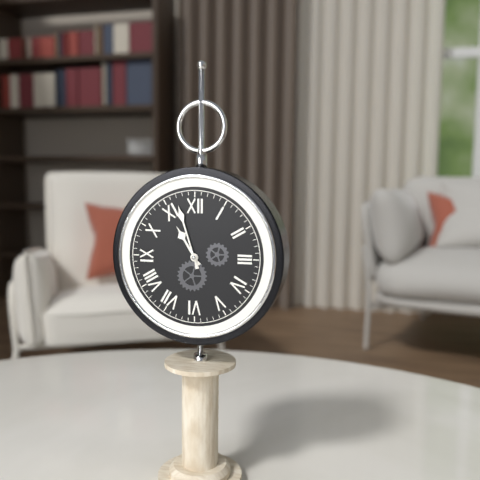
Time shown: 10:57
